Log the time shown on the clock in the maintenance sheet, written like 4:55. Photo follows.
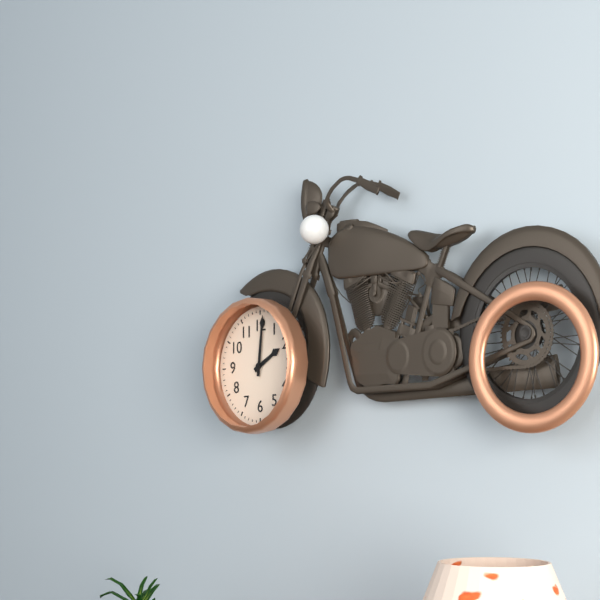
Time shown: 2:01
